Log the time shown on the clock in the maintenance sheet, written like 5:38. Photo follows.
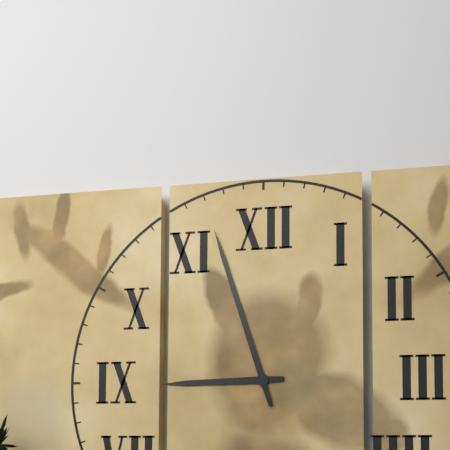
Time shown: 8:57
